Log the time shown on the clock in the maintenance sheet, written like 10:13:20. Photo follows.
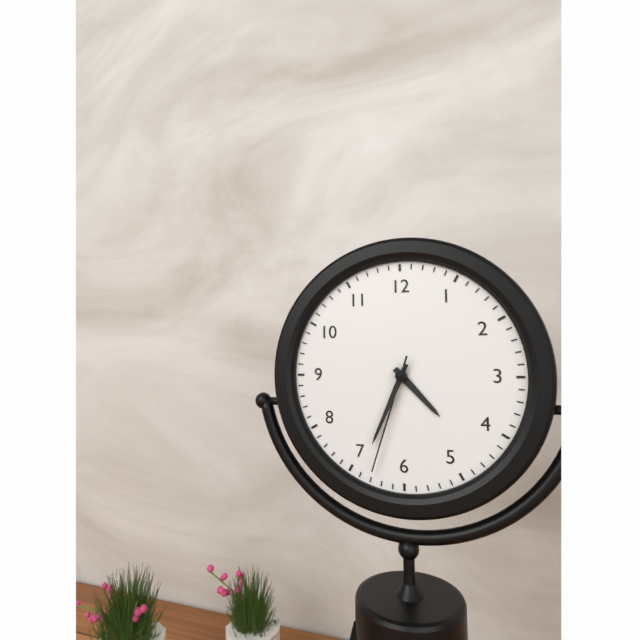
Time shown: 4:34:33
